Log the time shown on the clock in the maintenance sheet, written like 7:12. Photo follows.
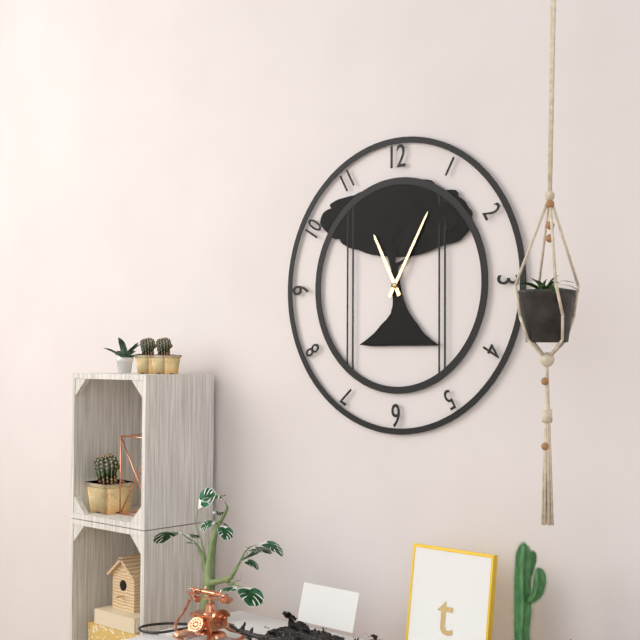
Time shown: 11:05
